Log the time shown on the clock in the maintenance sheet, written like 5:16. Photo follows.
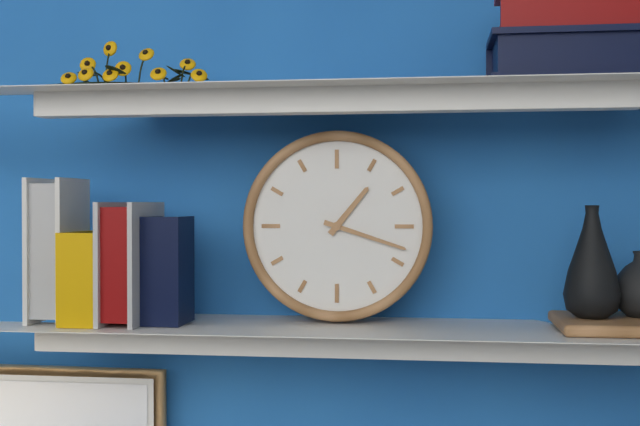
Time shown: 1:18
